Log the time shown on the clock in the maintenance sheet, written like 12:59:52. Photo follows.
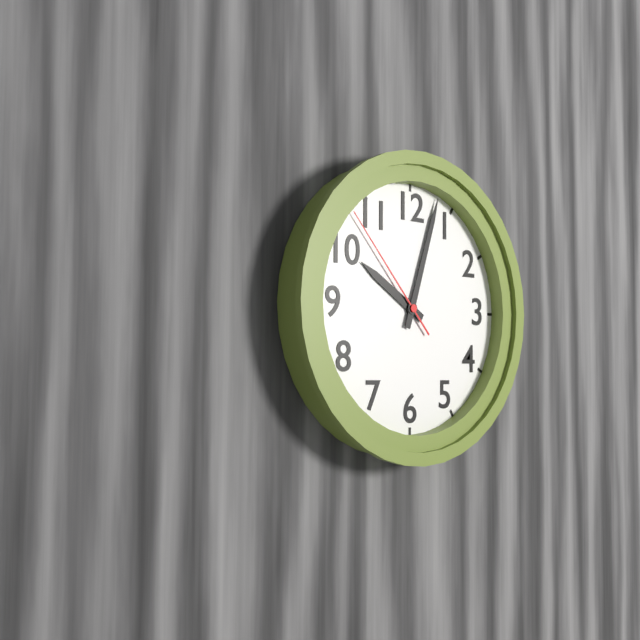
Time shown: 10:03:53
